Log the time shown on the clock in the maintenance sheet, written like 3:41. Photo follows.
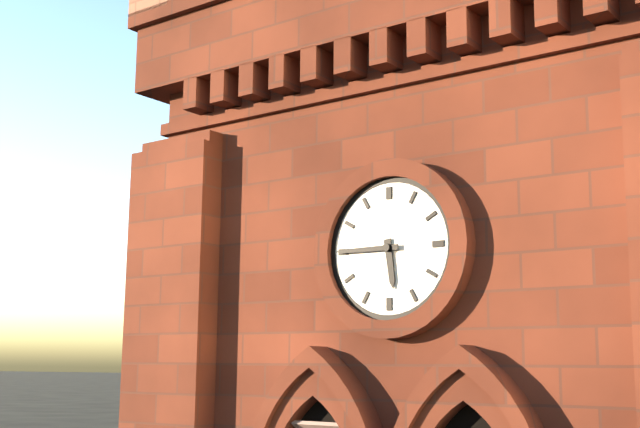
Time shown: 5:45
